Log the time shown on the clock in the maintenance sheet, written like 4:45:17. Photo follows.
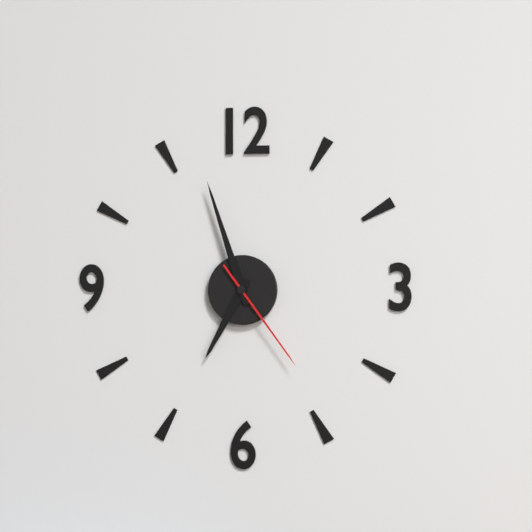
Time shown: 6:57:24
